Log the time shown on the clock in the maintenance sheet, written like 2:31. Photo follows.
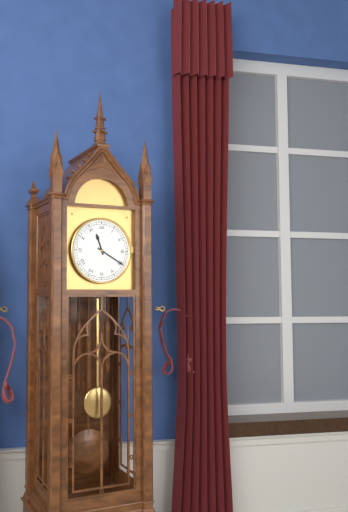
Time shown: 11:20
